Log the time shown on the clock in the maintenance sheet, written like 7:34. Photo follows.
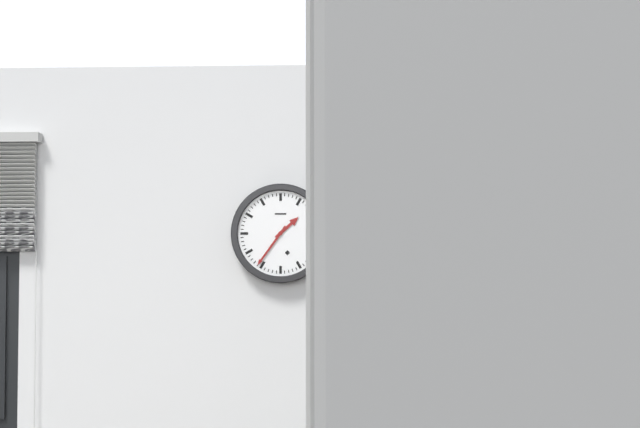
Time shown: 1:36
